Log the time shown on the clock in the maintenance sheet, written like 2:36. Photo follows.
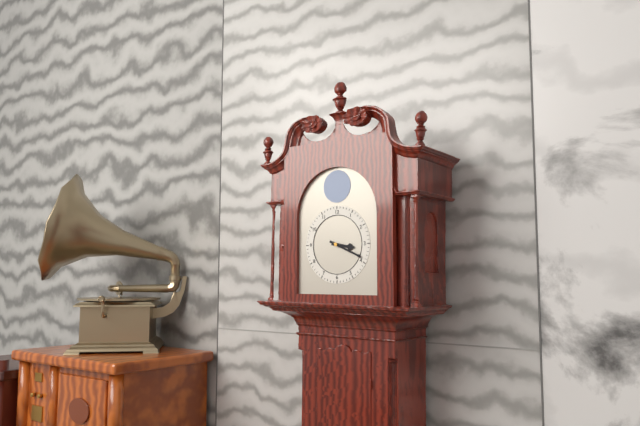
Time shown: 3:19
